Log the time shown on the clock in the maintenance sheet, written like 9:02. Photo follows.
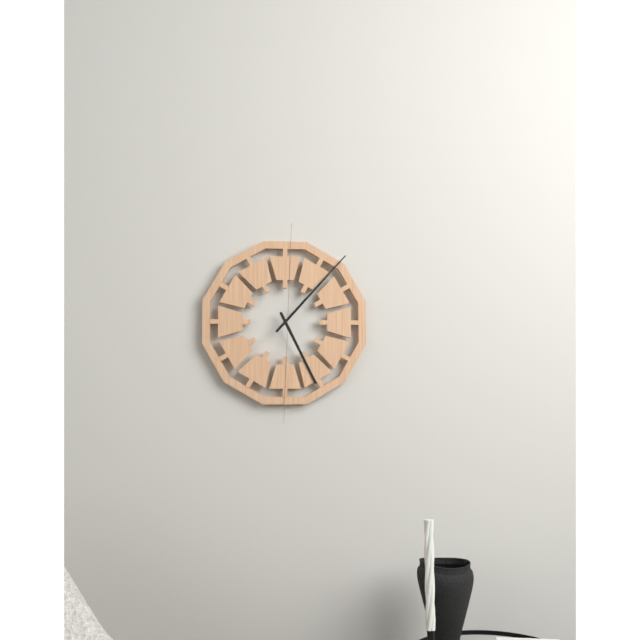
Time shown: 5:07
